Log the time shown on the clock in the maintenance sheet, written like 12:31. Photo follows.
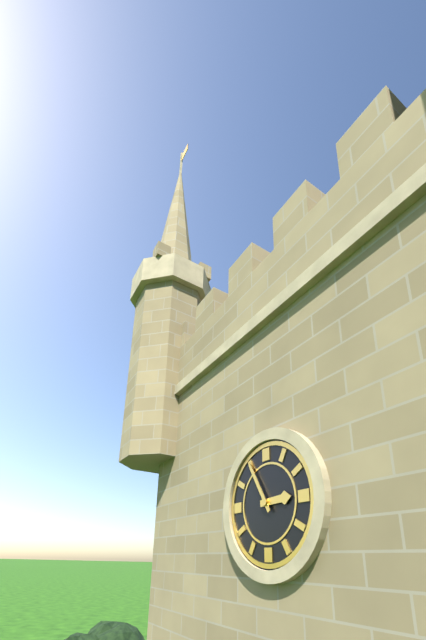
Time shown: 2:55
